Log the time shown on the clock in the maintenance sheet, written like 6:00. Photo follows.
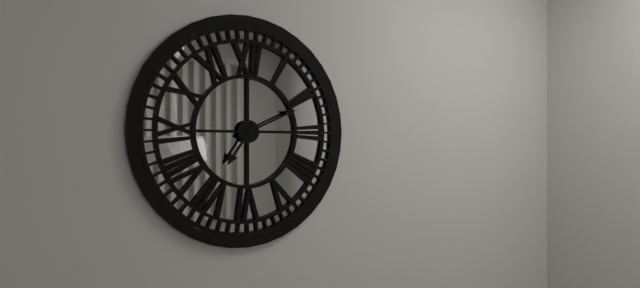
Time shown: 7:11
